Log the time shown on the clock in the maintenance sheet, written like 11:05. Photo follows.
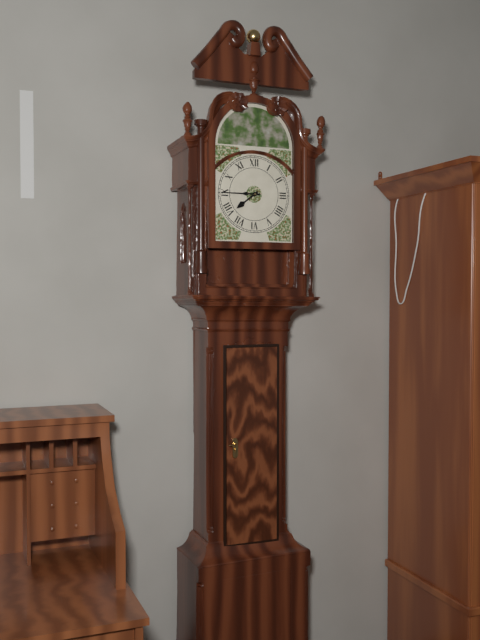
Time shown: 7:45
